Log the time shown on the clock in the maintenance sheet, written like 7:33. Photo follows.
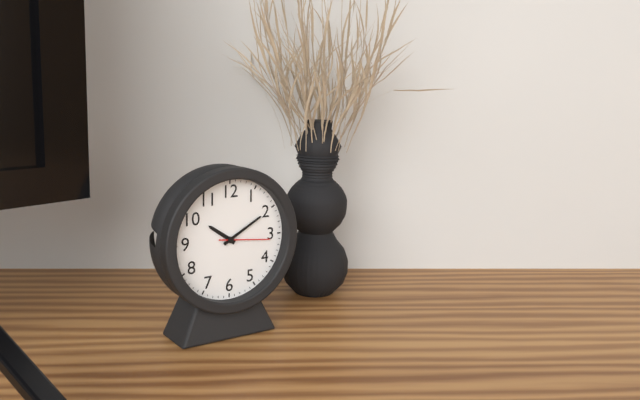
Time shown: 10:10
